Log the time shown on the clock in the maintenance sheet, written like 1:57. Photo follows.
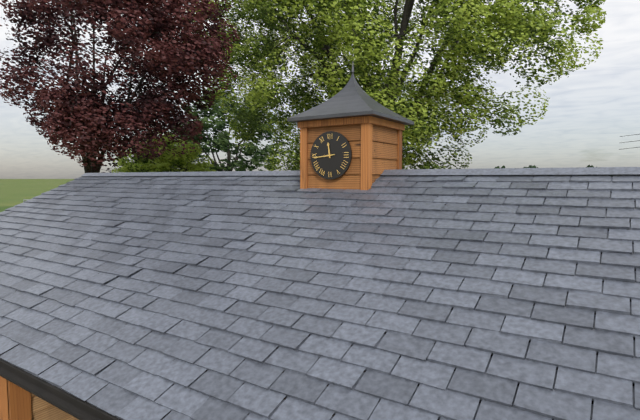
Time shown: 11:44
